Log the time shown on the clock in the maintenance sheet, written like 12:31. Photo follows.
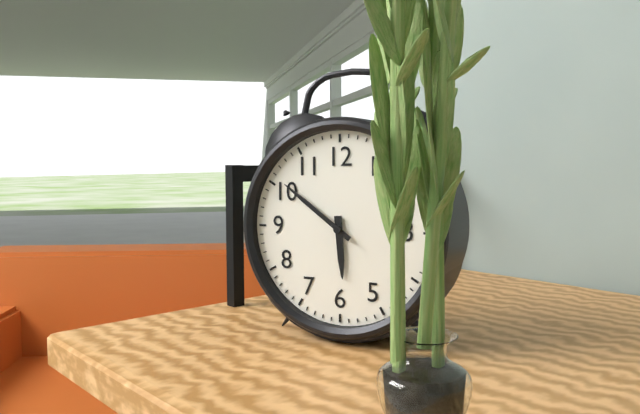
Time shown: 5:51
